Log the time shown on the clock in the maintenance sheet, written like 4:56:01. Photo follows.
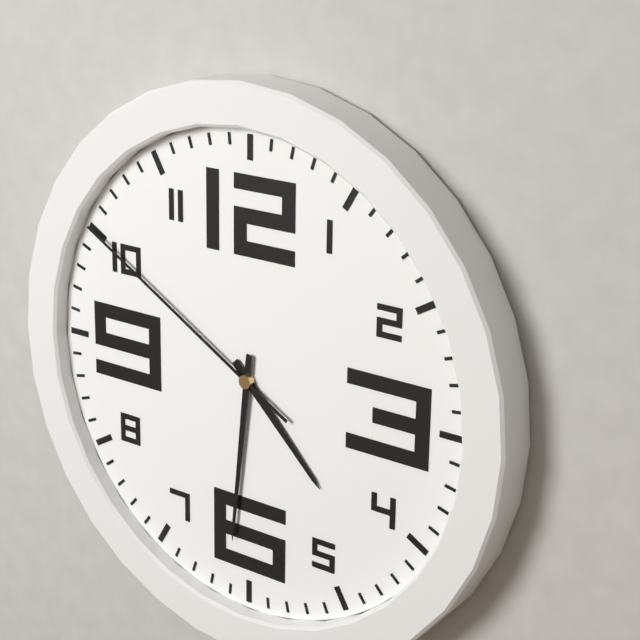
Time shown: 4:31:50
